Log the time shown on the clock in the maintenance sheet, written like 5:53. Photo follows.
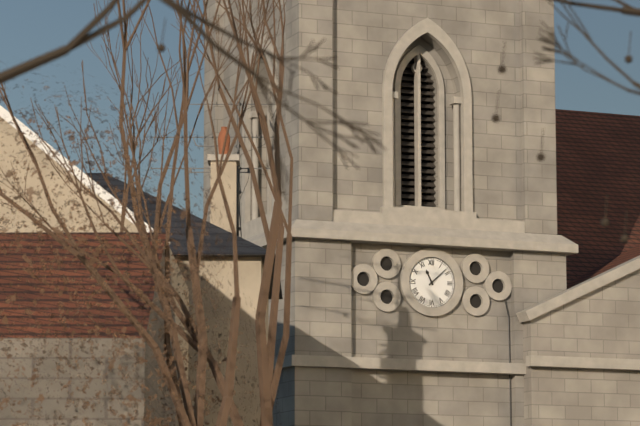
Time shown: 11:08
